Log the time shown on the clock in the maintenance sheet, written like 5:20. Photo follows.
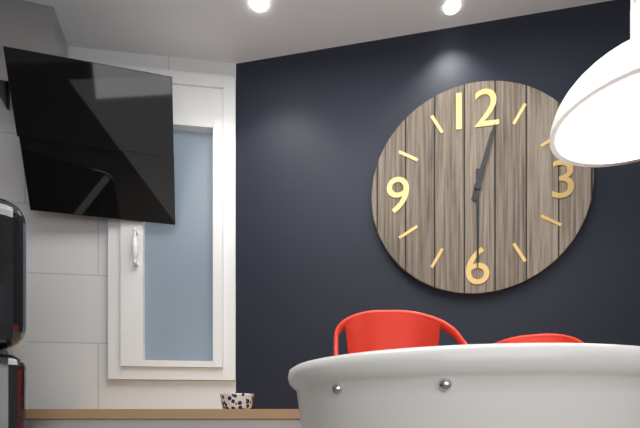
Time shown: 12:30
